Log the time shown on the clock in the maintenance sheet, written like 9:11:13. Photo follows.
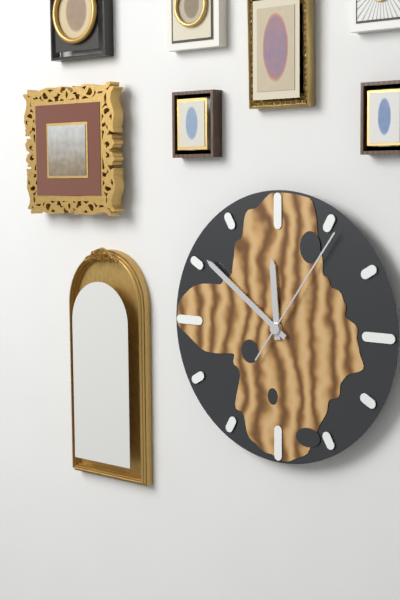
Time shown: 11:51:06
